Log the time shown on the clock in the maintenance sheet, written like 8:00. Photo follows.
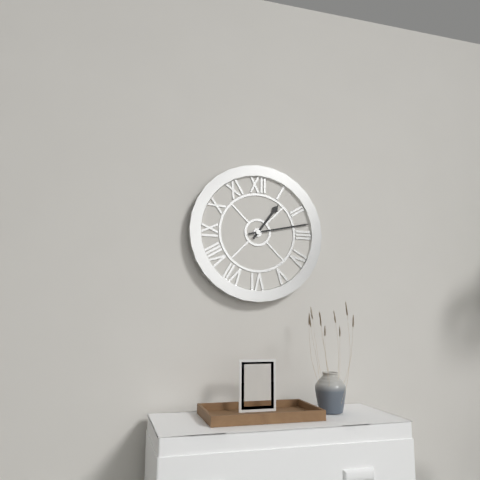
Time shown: 1:13
